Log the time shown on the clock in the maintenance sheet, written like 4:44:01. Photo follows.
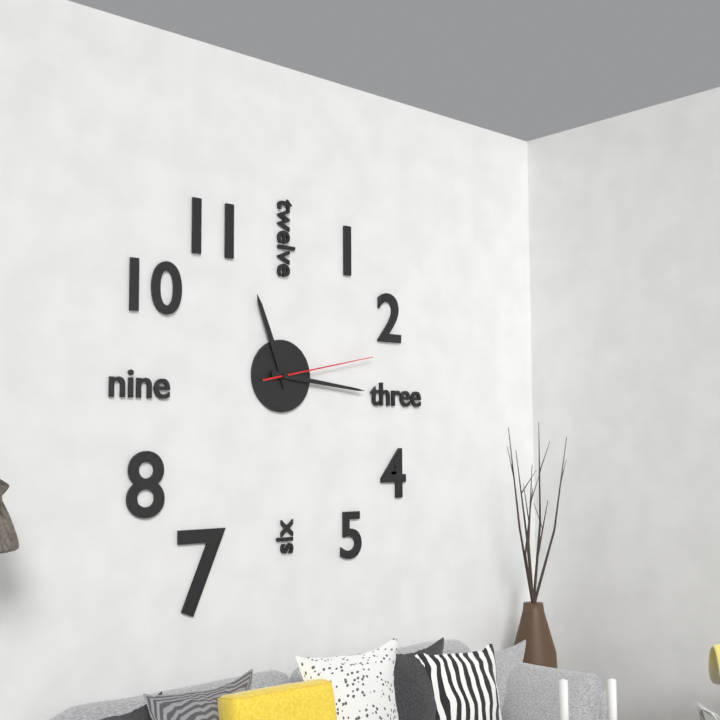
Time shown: 11:16:13
